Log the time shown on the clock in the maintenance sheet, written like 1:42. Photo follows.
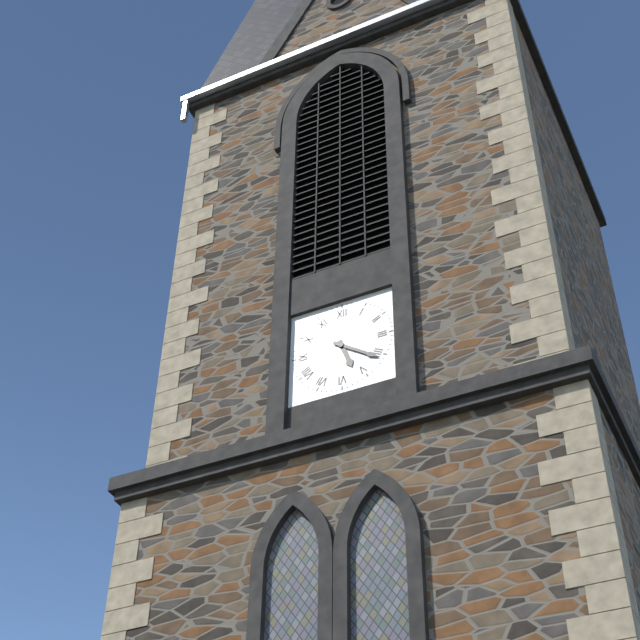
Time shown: 5:21
